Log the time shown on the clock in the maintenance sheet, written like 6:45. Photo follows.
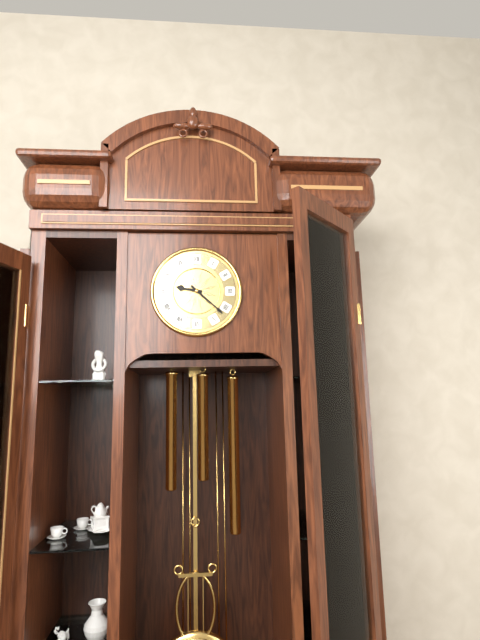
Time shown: 9:22
